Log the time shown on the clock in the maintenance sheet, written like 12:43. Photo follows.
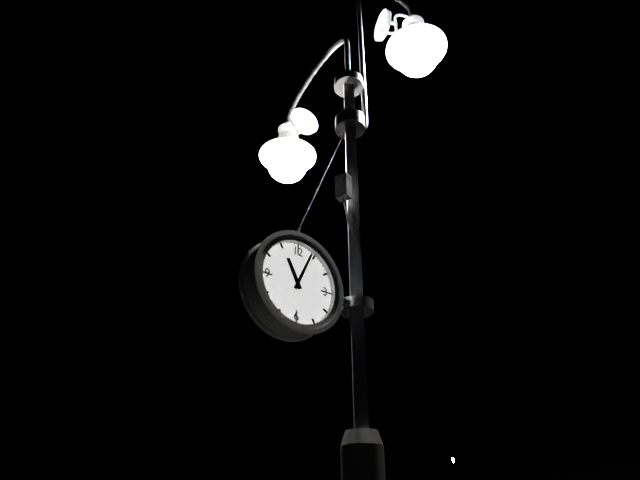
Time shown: 11:04
